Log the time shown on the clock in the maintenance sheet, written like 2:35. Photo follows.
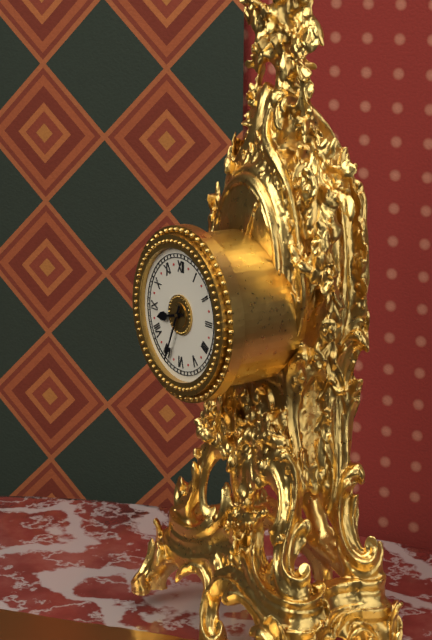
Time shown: 8:34
